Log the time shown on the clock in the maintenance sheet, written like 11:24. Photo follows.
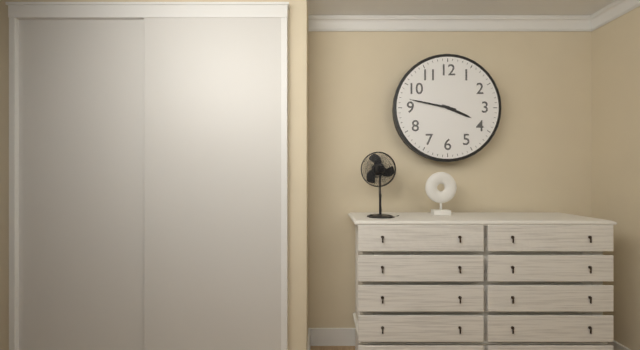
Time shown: 3:47
